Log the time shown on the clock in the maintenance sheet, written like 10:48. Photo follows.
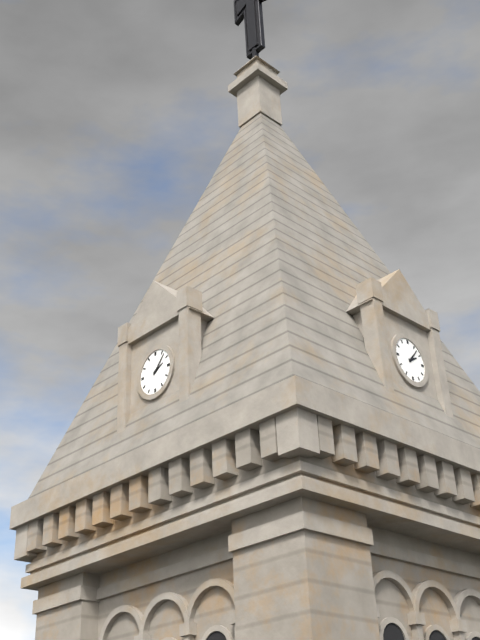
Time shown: 2:07
